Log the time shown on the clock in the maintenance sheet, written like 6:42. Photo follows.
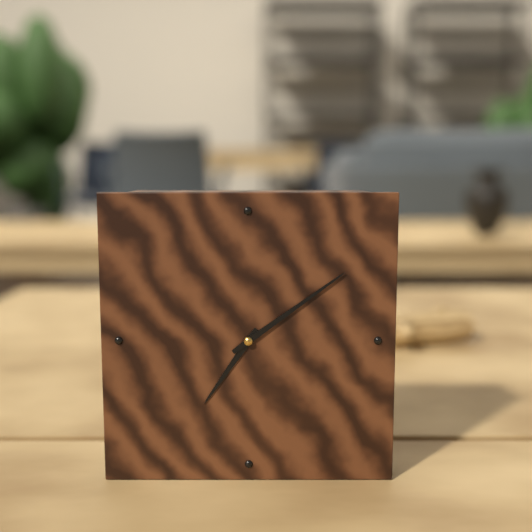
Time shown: 7:09
